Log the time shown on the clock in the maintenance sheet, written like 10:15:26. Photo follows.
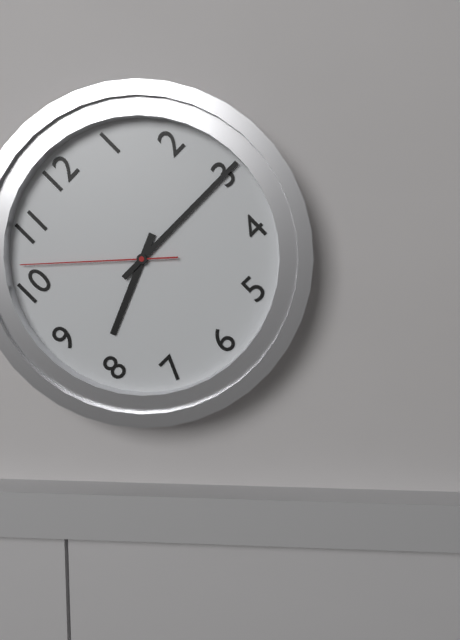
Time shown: 8:15:52
